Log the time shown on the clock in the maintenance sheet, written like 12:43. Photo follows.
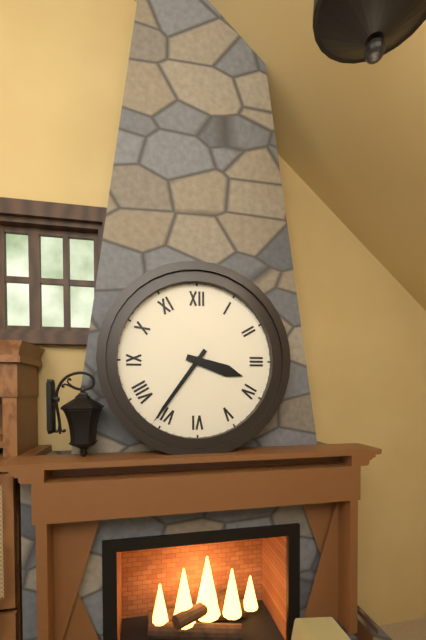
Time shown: 3:36
